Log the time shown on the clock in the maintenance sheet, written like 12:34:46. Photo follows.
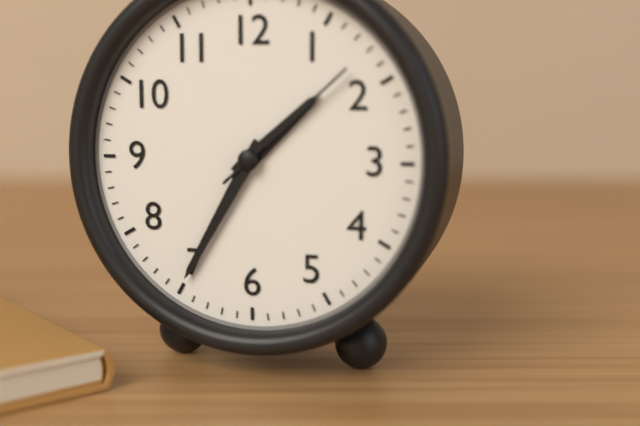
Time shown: 1:35:08
